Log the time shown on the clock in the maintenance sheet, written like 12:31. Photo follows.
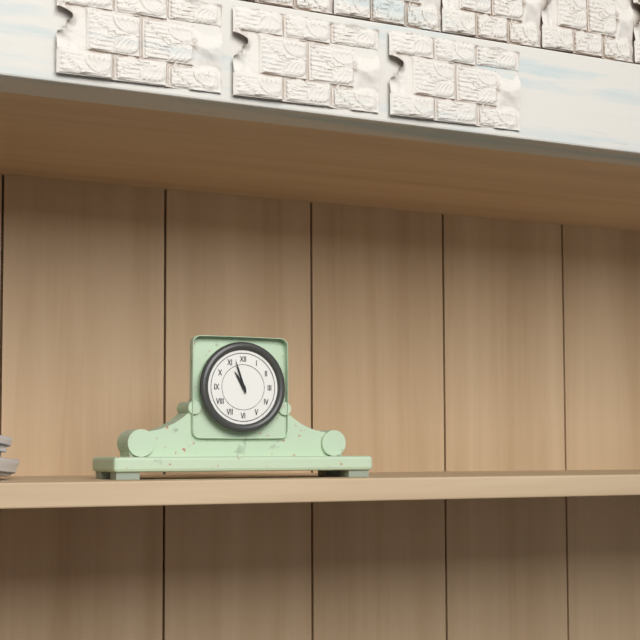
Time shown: 10:57
